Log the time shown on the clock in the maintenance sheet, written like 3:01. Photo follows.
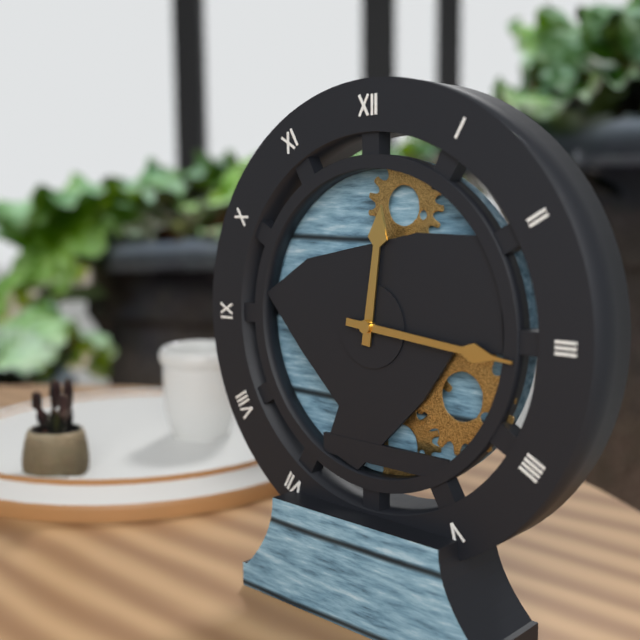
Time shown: 12:16
